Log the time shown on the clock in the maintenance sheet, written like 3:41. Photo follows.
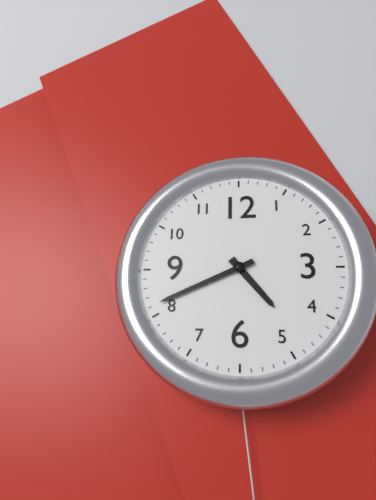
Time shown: 4:41
